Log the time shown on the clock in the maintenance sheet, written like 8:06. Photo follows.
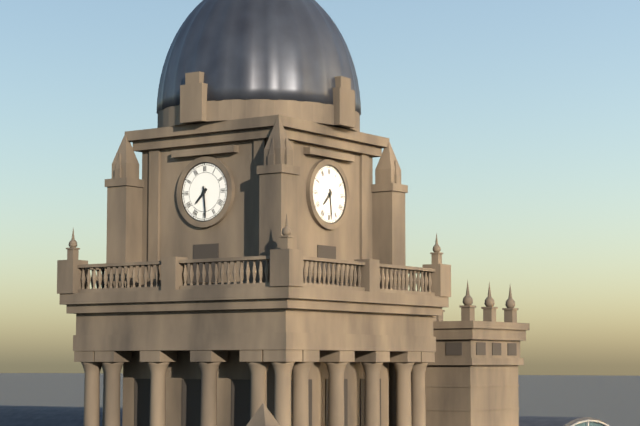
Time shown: 7:29
